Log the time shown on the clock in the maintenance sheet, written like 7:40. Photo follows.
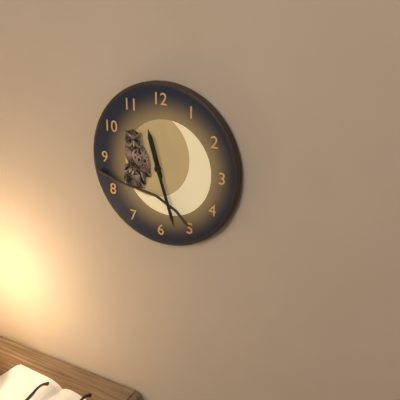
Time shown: 11:27
